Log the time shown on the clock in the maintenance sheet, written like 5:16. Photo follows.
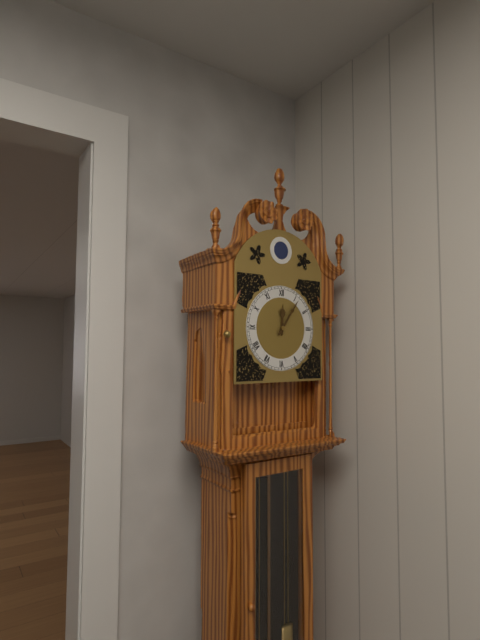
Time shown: 12:06
